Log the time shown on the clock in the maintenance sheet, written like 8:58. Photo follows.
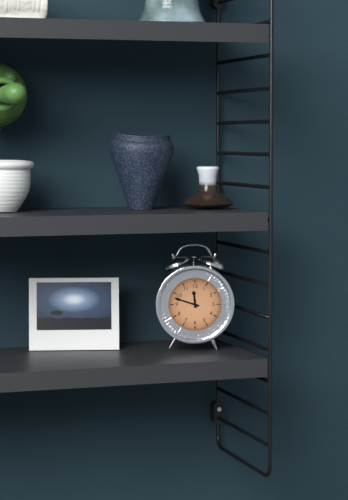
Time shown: 11:48
